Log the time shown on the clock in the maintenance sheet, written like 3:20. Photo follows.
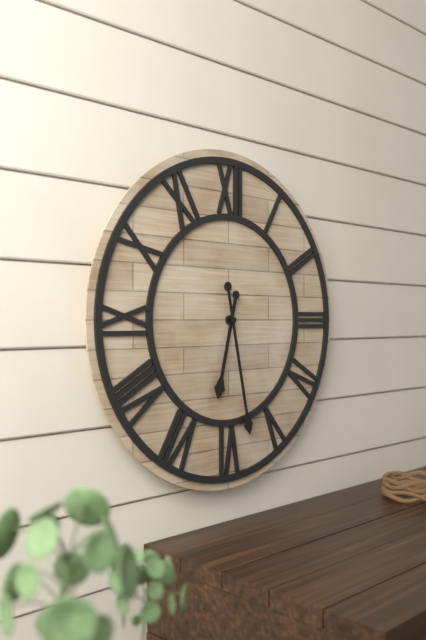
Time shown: 6:28
